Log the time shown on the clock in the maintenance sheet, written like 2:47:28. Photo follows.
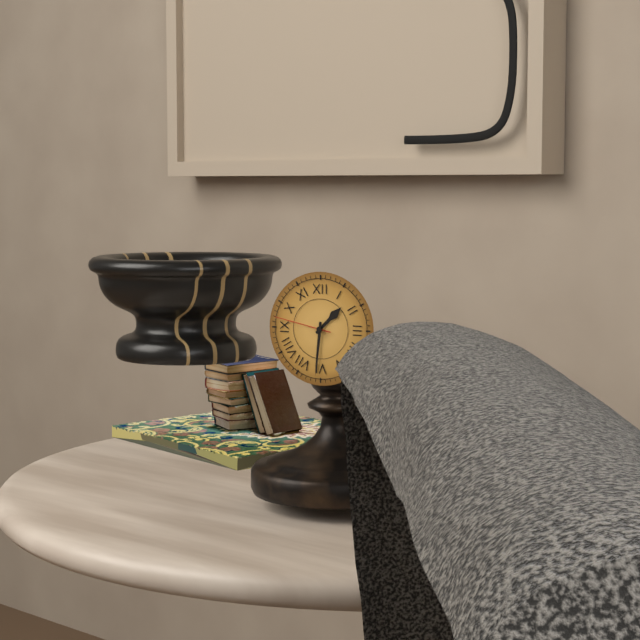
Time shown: 1:31:47
